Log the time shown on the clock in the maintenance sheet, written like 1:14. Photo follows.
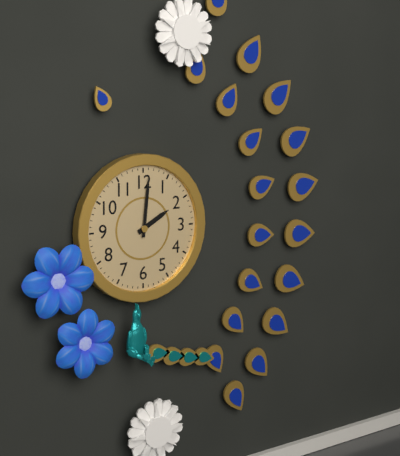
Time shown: 2:01
